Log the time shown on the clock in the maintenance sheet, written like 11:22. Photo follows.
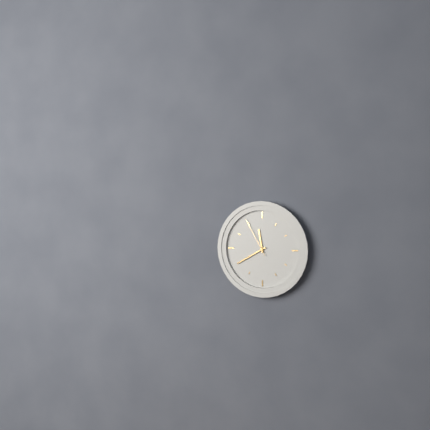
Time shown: 11:40
